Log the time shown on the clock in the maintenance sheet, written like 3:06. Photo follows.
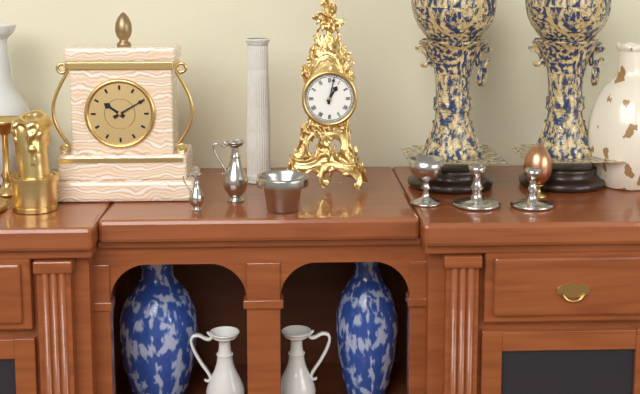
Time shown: 1:02
